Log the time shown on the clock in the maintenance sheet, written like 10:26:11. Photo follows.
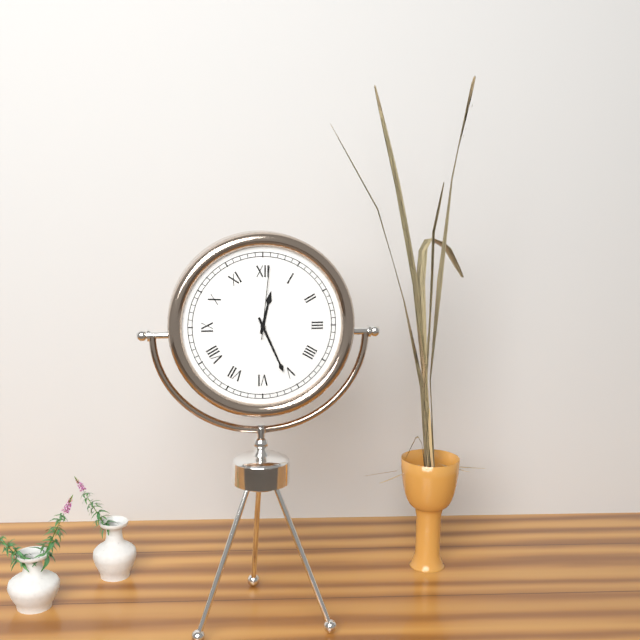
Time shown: 12:26:01
